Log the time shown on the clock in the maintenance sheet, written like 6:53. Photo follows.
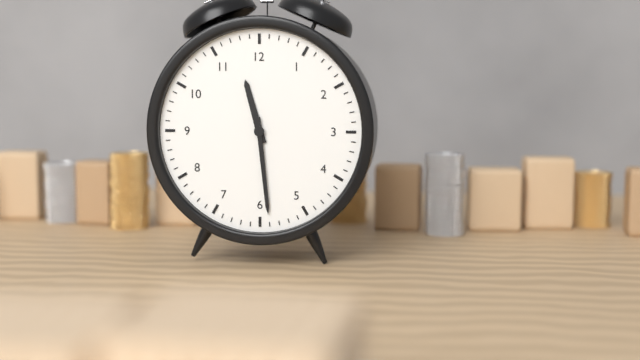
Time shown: 11:29
